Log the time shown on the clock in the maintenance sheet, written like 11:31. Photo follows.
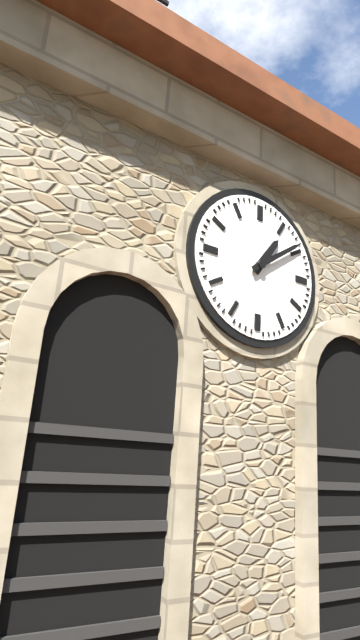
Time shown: 1:09
